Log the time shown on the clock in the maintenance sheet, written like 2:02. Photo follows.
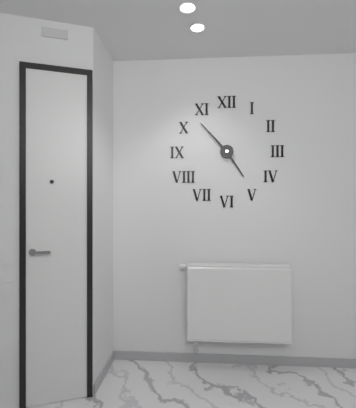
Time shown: 4:53
